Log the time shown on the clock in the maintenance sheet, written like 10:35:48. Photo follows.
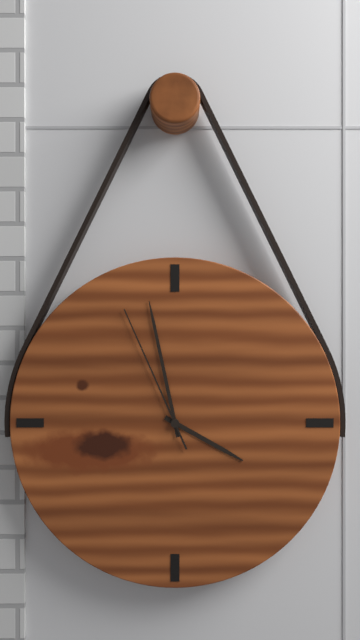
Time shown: 3:58:56
